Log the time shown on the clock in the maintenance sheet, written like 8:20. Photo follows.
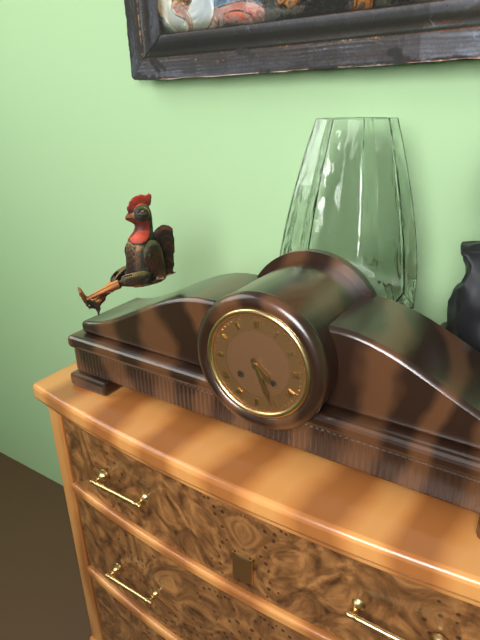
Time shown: 4:26
